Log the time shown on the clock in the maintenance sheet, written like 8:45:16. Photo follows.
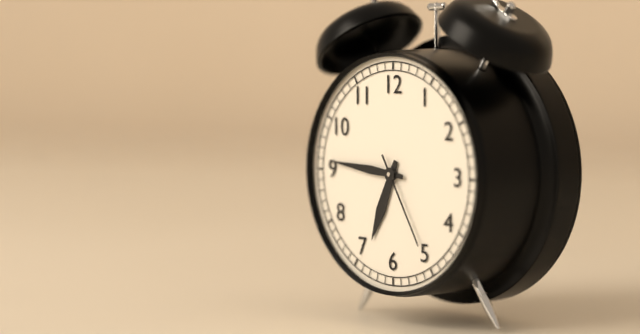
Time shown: 6:46:25
